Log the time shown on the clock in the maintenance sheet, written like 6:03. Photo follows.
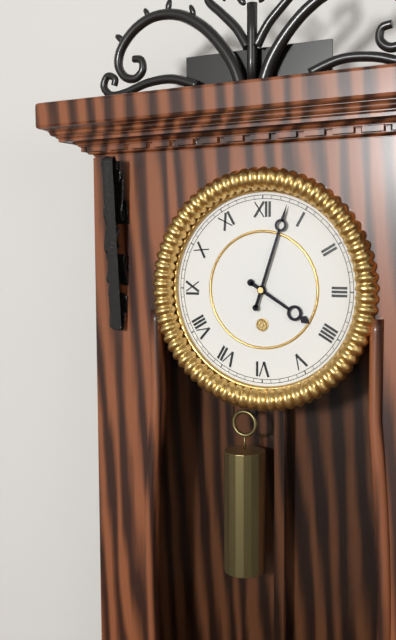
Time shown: 4:03
